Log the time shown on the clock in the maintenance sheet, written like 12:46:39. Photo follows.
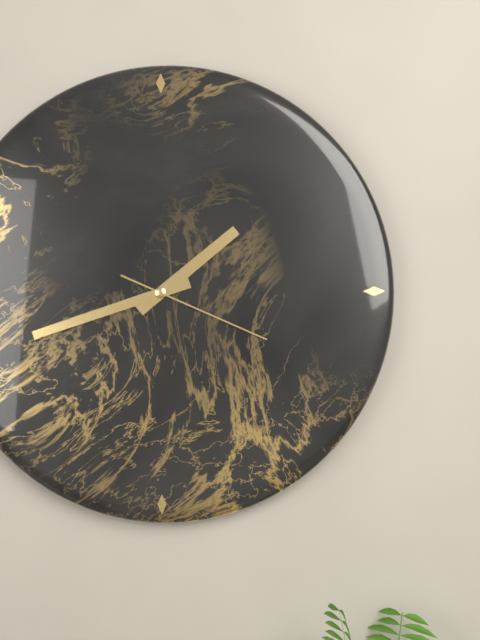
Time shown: 1:42:19
